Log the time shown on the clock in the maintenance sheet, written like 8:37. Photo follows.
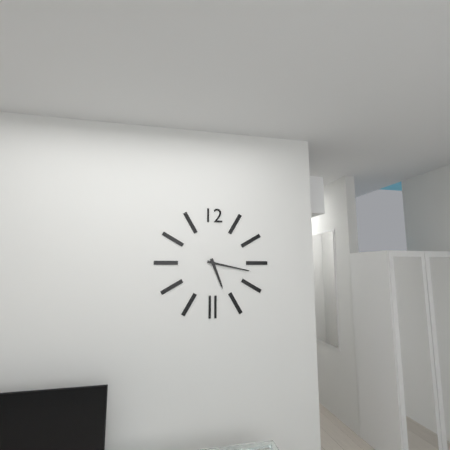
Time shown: 5:17
